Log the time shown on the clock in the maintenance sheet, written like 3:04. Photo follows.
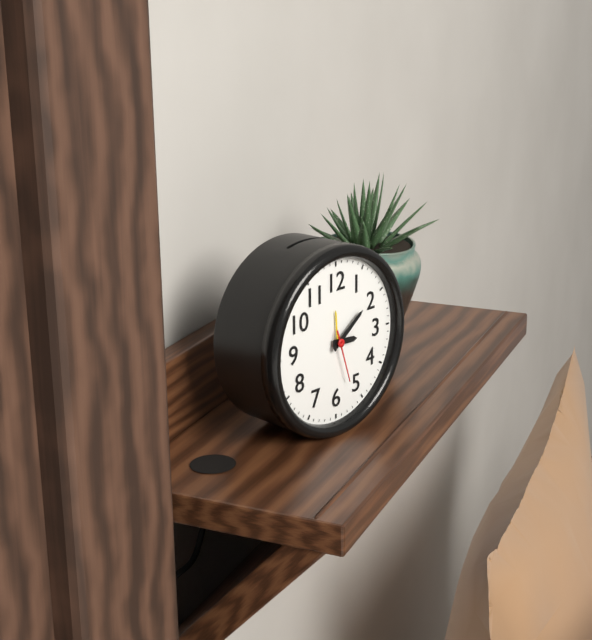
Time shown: 3:09
